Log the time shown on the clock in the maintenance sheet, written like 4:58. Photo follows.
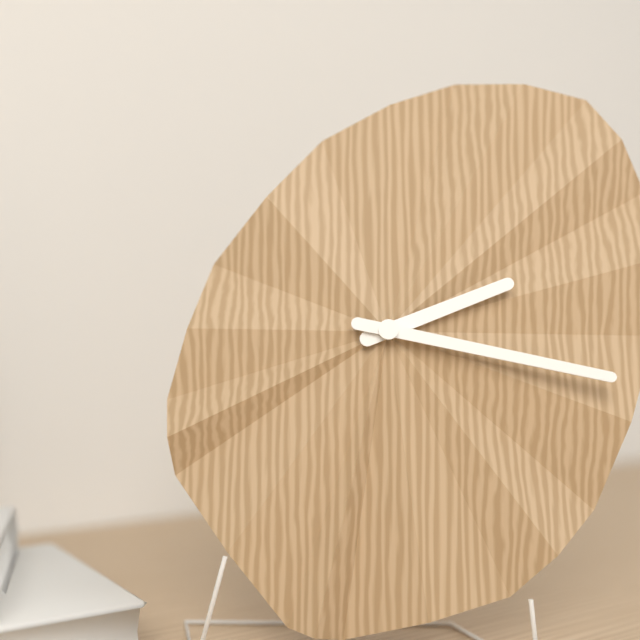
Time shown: 2:17
